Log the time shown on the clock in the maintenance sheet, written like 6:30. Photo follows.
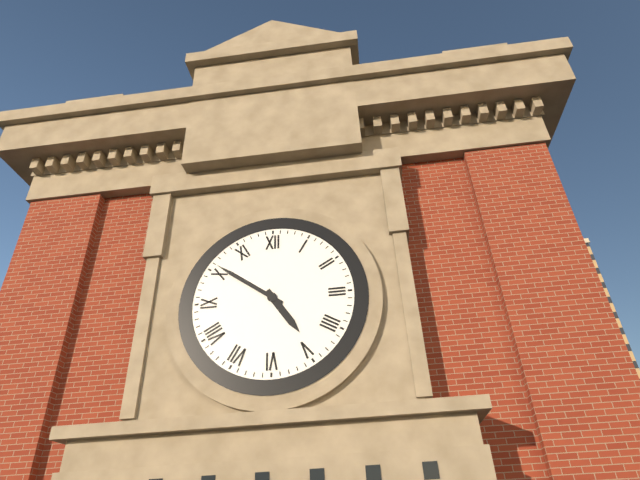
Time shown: 4:51
